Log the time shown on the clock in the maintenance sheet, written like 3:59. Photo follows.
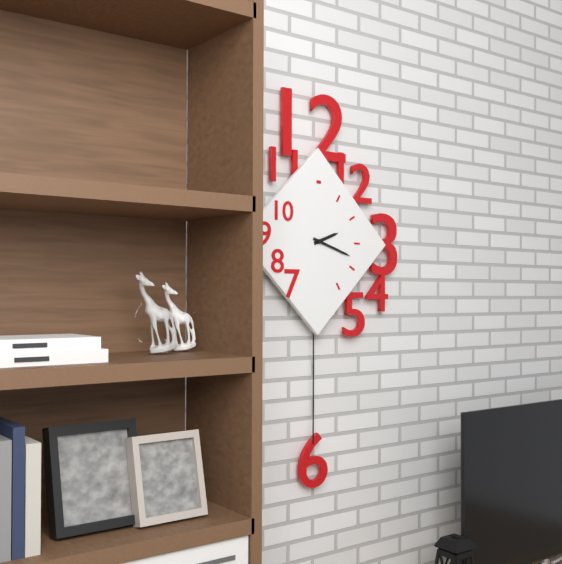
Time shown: 2:18
